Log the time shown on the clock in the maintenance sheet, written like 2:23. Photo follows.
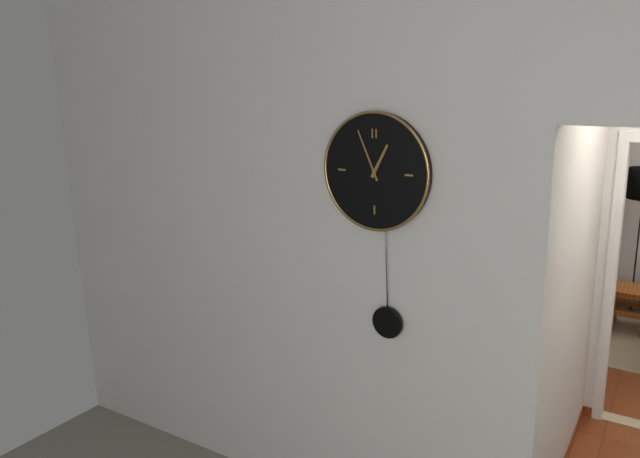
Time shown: 12:56
